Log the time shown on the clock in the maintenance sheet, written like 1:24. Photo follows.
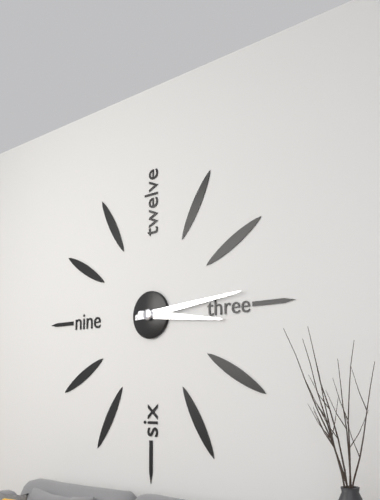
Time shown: 3:14
